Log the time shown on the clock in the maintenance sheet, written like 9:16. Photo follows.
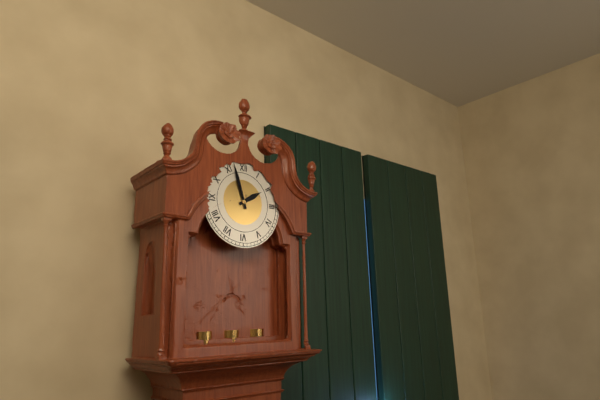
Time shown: 1:57
